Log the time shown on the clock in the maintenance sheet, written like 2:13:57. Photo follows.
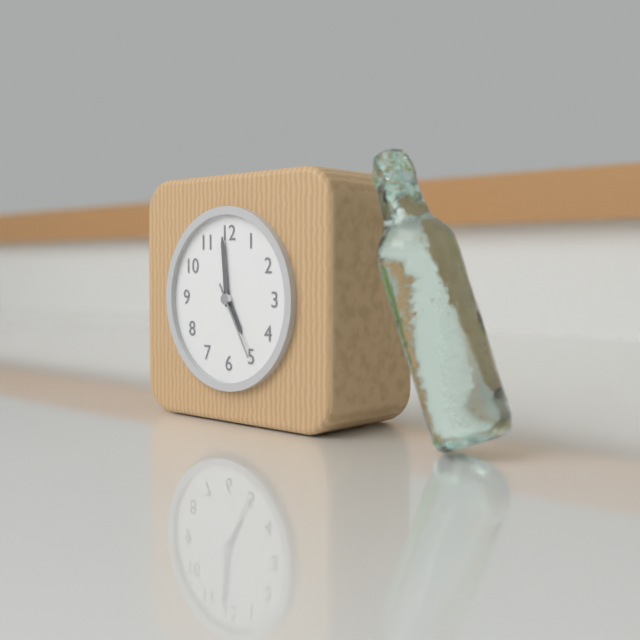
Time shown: 4:59:25
